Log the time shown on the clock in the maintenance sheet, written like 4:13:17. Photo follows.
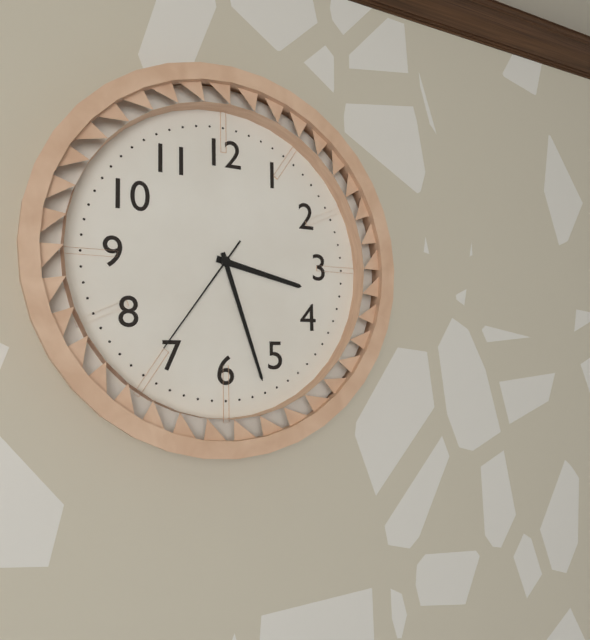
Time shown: 3:27:36
